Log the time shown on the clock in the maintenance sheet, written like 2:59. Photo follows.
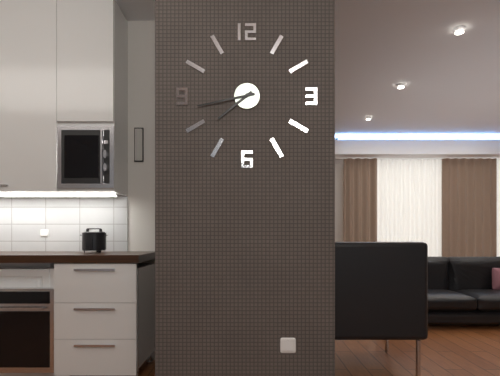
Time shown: 7:43
